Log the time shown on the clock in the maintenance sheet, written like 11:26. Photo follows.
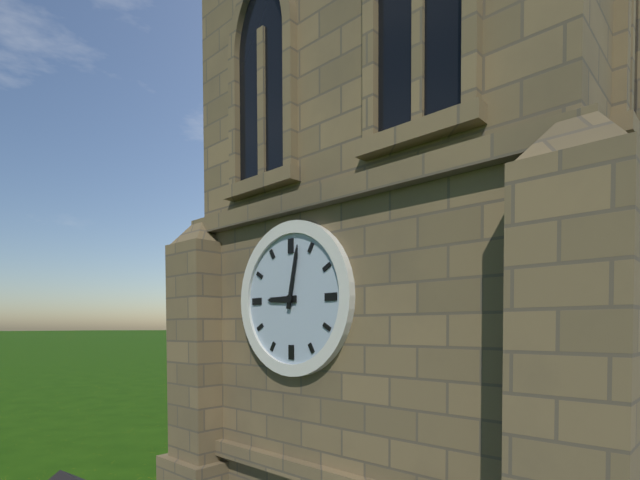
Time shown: 9:02
